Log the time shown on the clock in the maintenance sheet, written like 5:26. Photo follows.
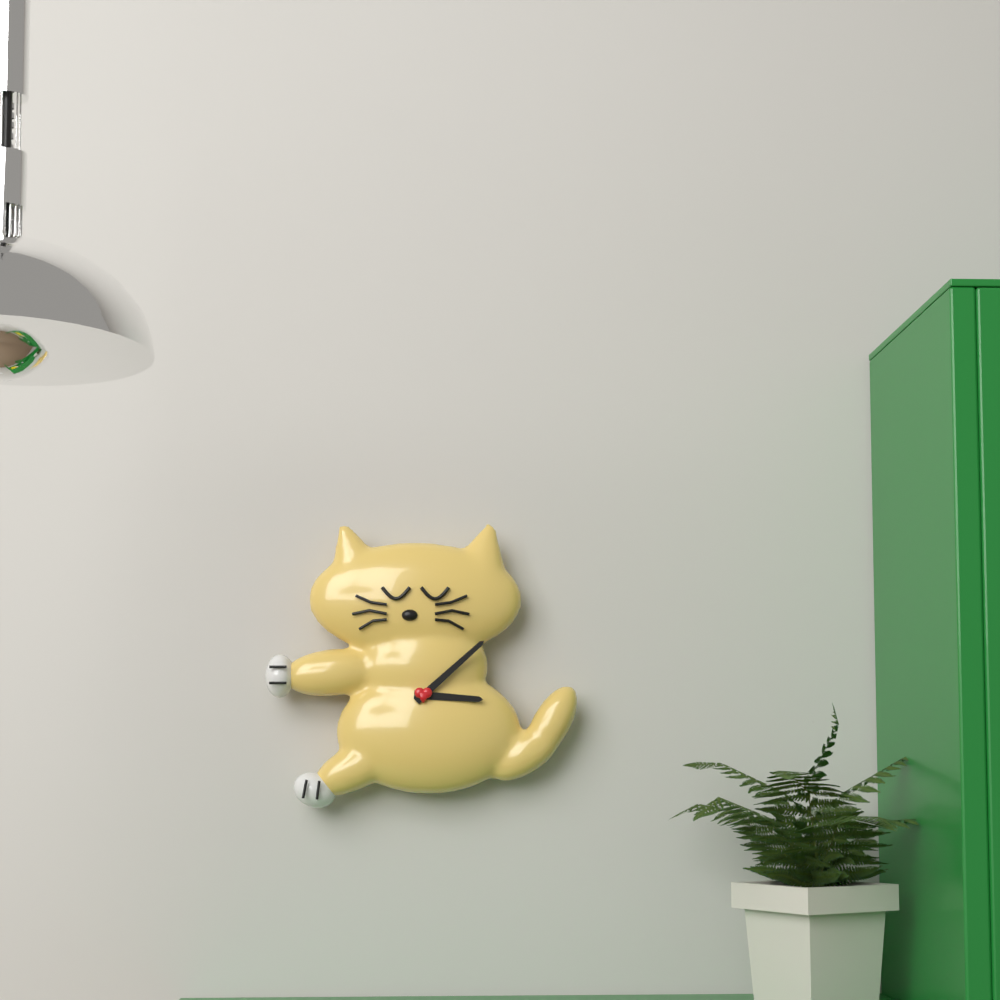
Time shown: 3:08
